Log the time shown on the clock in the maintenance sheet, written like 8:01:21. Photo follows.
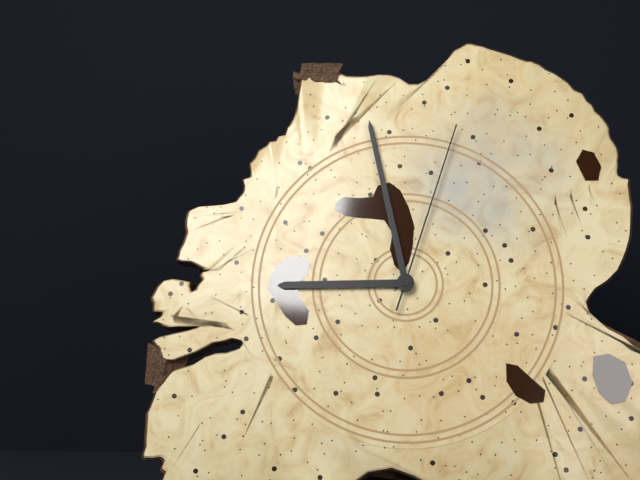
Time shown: 8:58:03
